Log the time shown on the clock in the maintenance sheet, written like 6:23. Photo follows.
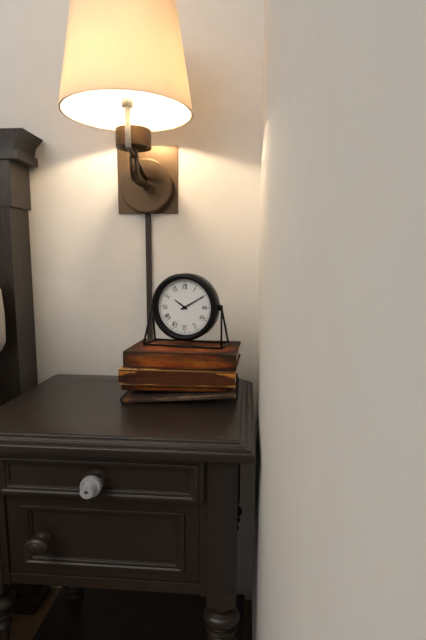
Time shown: 10:10
